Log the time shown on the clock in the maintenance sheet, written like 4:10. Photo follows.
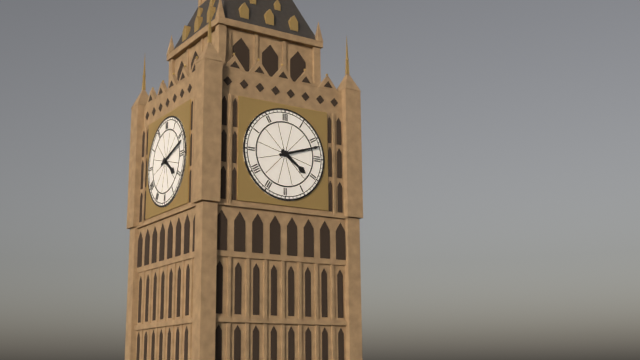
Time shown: 4:12
